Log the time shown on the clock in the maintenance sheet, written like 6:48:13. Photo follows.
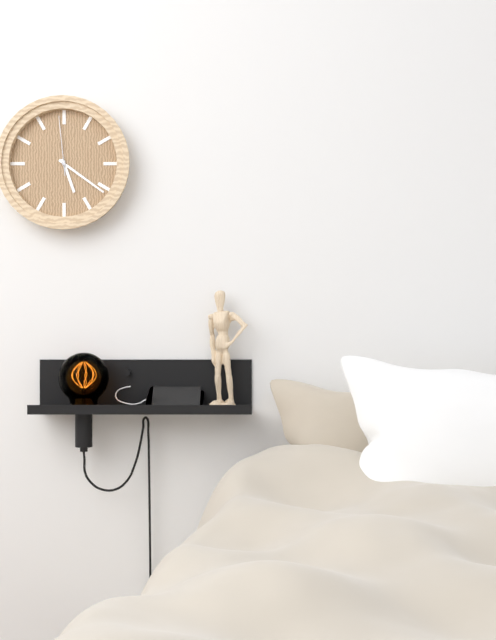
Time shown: 5:21:59
